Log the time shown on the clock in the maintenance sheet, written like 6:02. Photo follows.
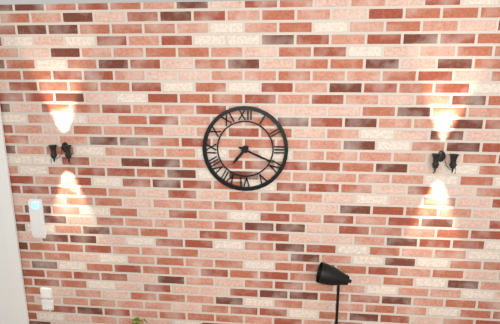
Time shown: 7:19
